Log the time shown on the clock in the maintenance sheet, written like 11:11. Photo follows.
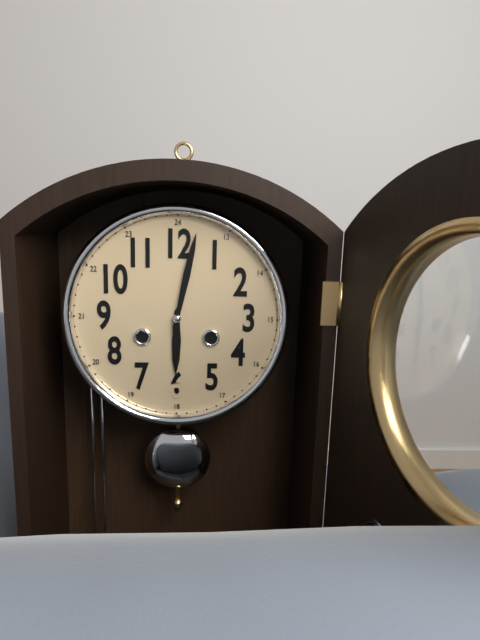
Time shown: 6:02
